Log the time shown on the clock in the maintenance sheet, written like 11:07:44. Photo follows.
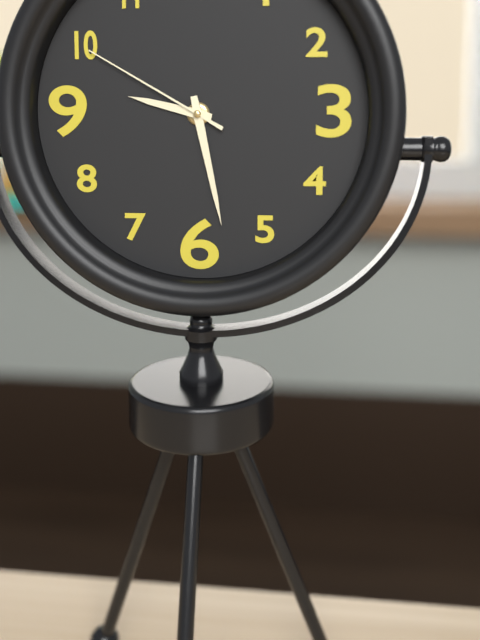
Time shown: 9:28:50
